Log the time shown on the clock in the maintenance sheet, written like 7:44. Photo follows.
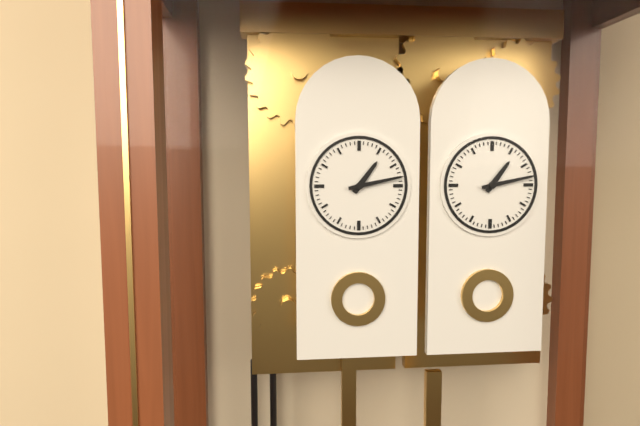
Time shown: 1:13
